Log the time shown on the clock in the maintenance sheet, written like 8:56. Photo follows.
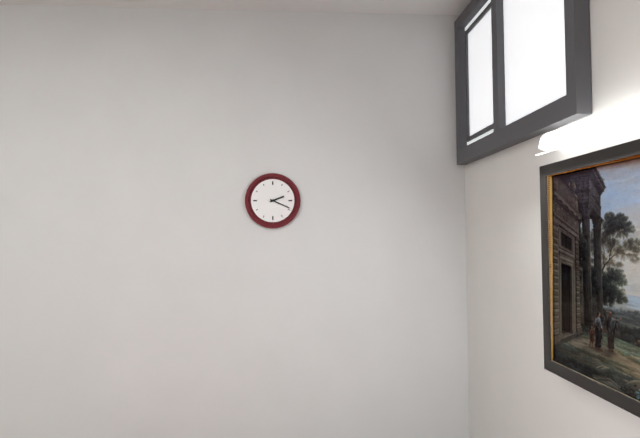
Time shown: 2:19
